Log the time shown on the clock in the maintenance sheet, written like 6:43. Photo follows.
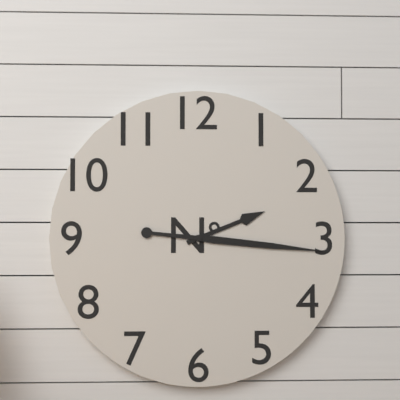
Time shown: 2:16
